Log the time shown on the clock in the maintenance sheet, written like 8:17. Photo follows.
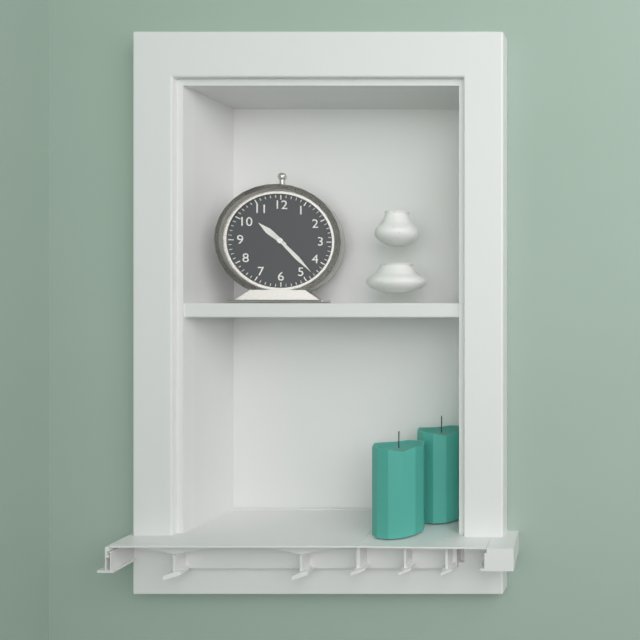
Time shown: 10:23
